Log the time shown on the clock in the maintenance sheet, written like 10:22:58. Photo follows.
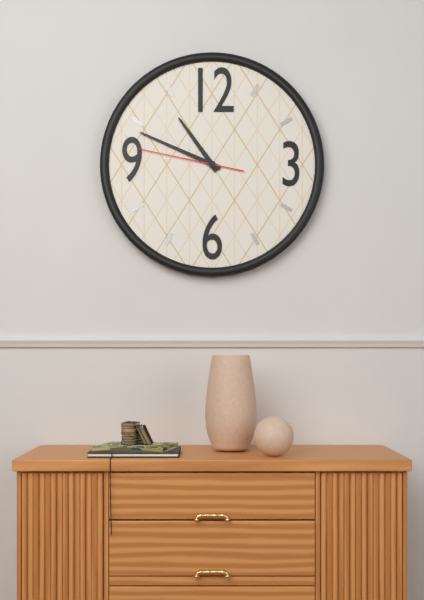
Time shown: 10:49:47
